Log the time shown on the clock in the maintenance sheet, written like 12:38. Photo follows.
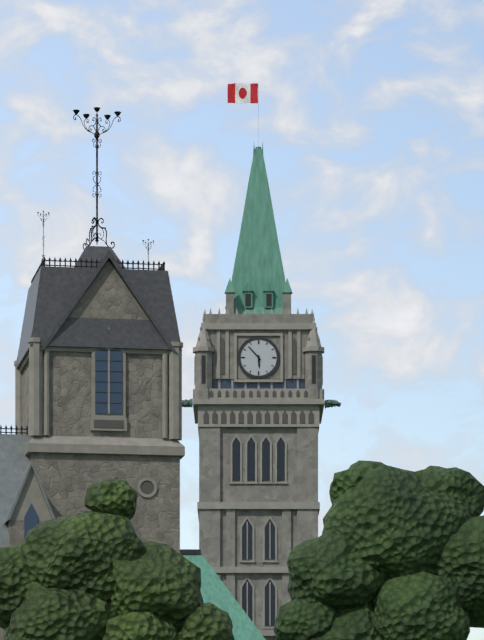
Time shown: 5:53
